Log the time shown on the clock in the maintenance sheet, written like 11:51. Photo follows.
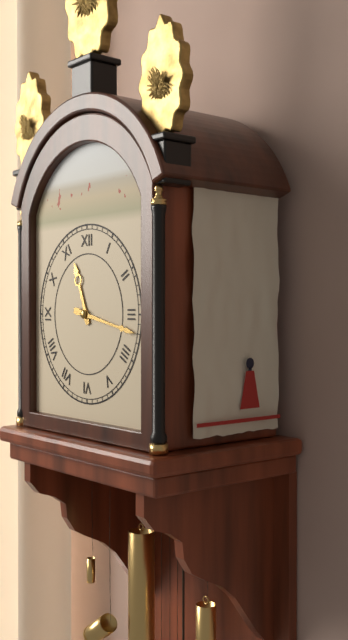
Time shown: 11:17
